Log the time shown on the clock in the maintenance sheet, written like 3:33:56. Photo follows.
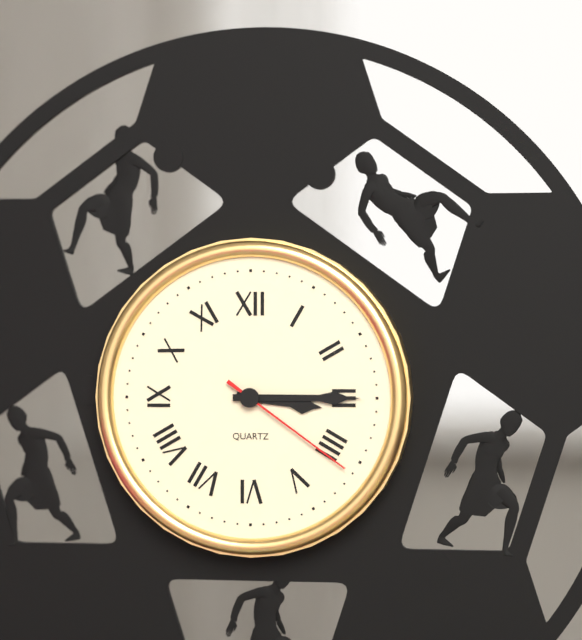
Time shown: 3:15:21
